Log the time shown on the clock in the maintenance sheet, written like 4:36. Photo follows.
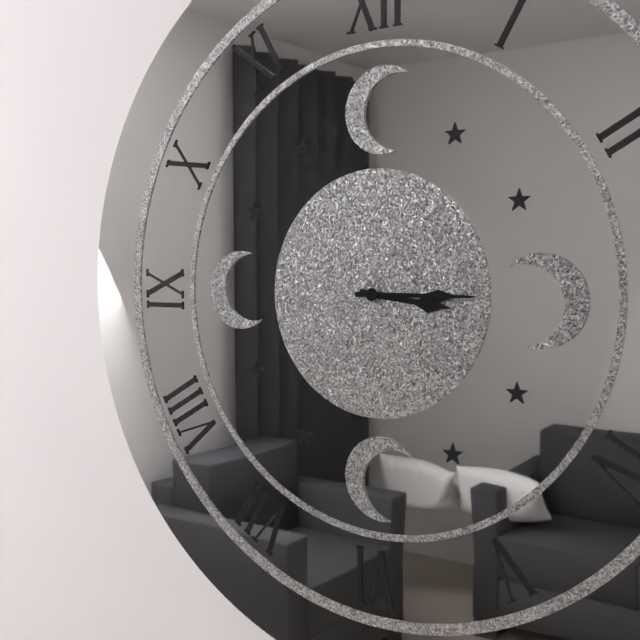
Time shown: 3:15
